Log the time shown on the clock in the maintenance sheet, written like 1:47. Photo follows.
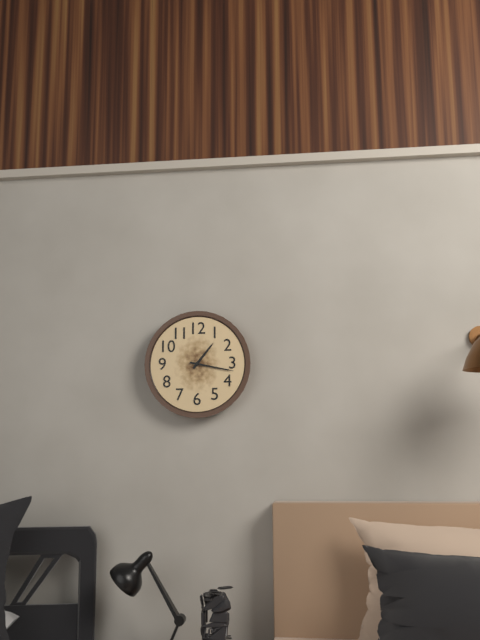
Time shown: 1:17
